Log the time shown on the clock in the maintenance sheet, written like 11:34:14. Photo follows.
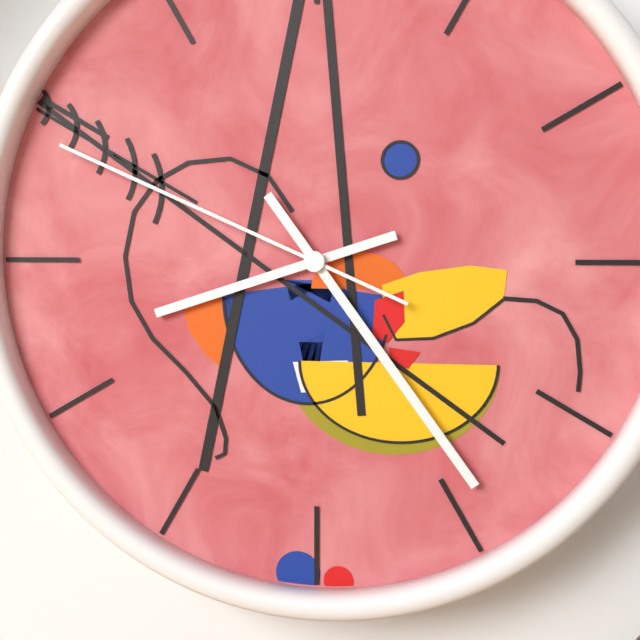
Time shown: 8:24:49
